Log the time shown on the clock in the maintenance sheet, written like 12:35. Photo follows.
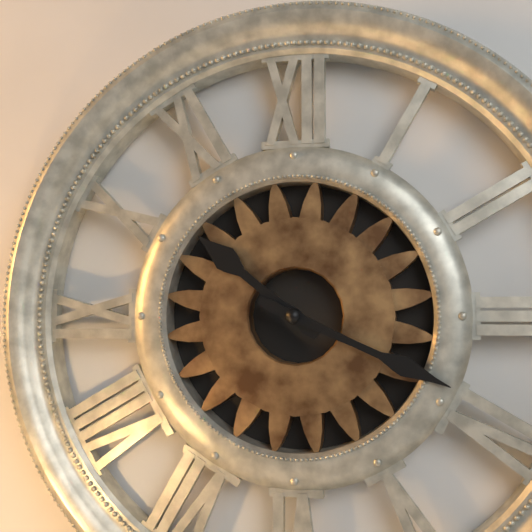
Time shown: 10:19
